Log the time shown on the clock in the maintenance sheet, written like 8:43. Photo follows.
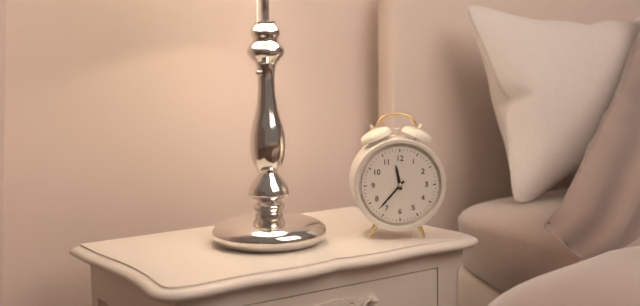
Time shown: 11:37
